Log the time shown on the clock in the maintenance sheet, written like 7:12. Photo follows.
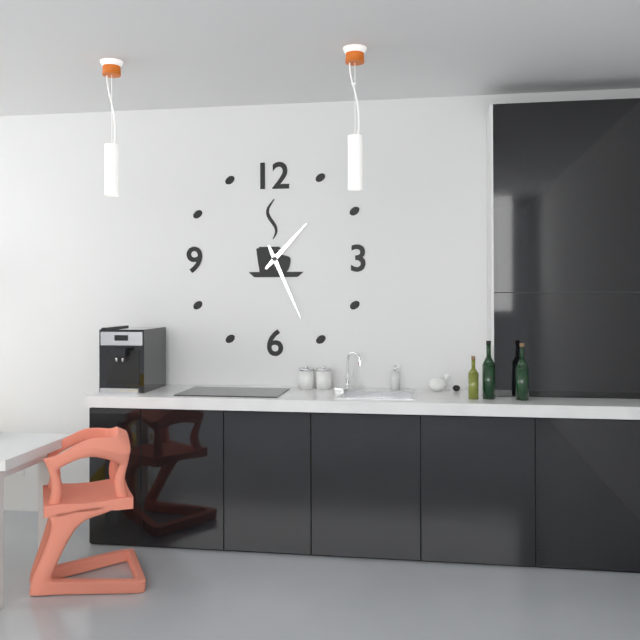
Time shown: 1:26
